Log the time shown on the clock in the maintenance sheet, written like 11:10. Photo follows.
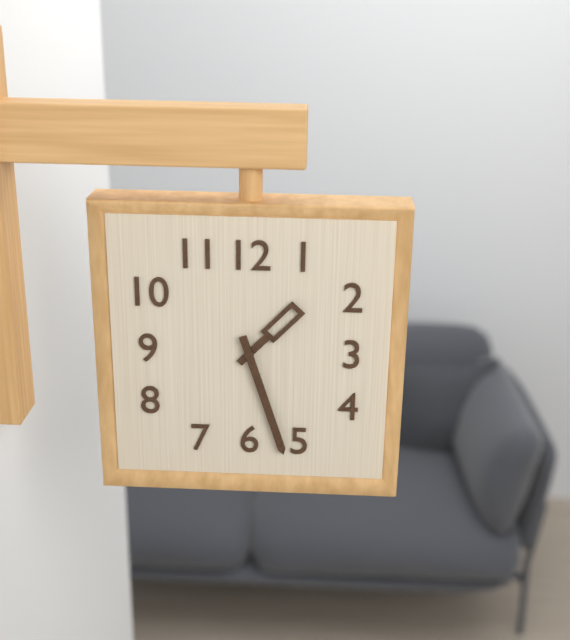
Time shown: 1:27
